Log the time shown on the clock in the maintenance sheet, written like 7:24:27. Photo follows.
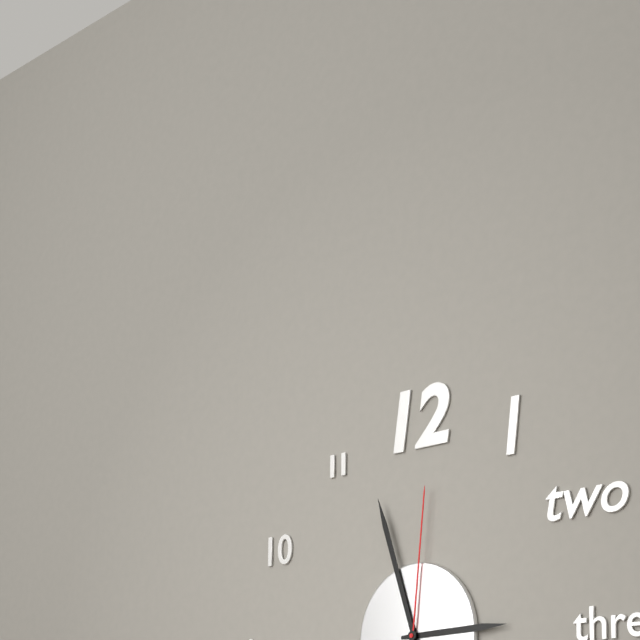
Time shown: 2:57:01
